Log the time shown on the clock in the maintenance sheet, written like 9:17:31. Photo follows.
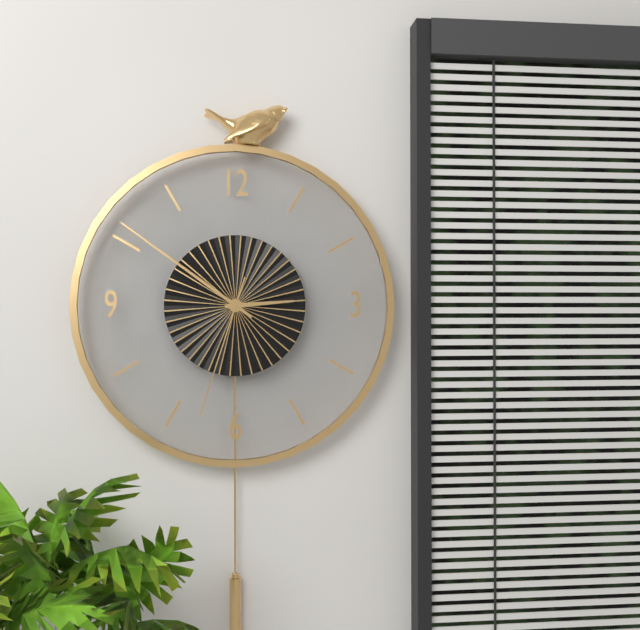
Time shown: 2:51:33
